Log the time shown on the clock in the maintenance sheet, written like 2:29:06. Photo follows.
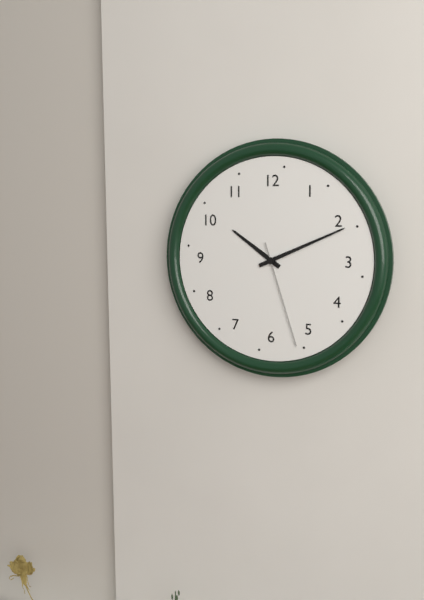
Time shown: 10:11:27
